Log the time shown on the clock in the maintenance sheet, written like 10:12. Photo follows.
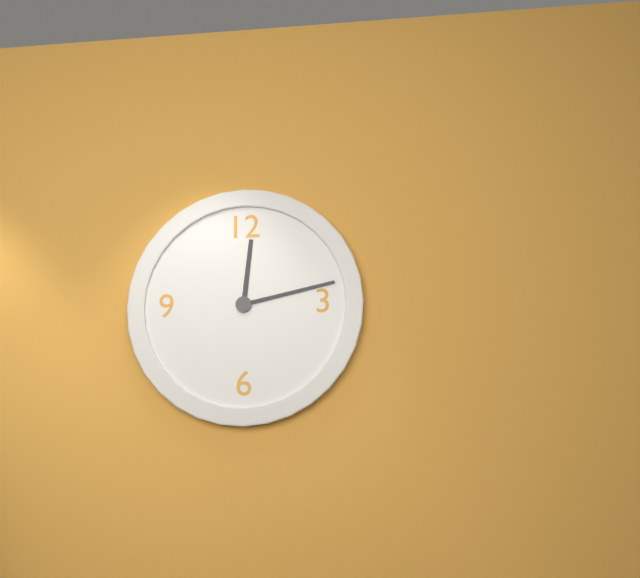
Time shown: 12:13
